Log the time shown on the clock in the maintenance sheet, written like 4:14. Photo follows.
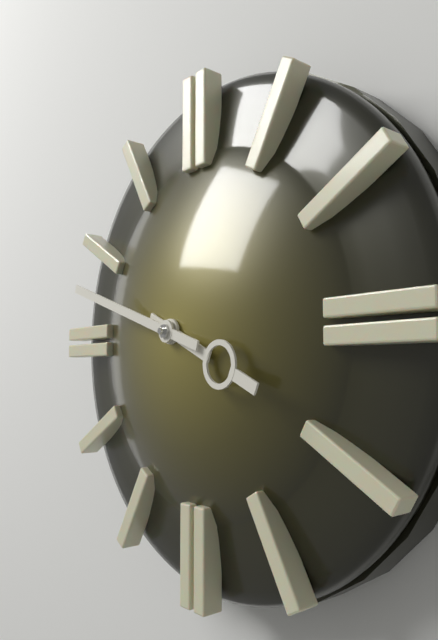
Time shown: 3:48
